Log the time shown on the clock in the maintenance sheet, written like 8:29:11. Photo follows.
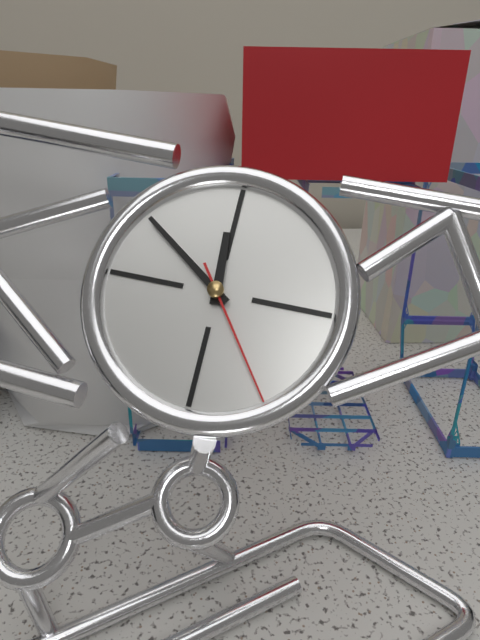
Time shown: 11:51:24
